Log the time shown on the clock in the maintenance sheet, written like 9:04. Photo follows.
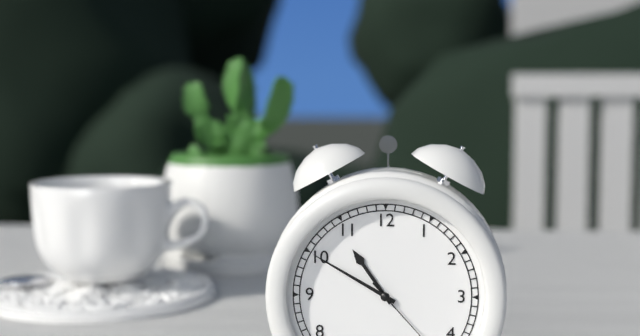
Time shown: 10:50
